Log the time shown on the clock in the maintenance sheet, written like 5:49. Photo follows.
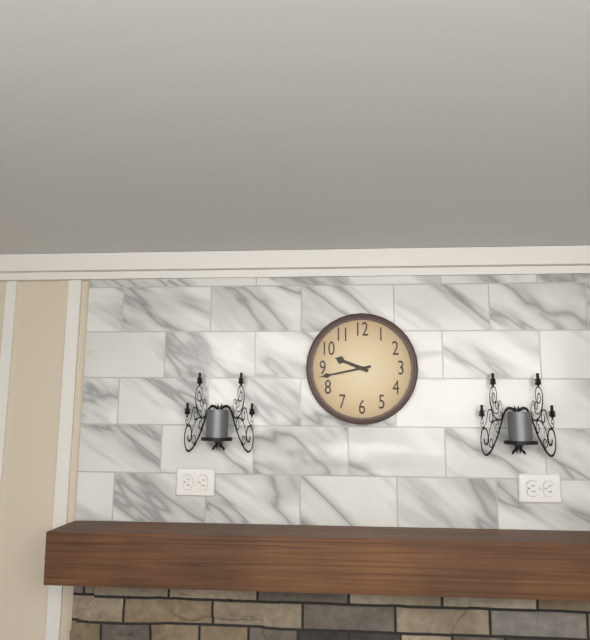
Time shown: 9:43
